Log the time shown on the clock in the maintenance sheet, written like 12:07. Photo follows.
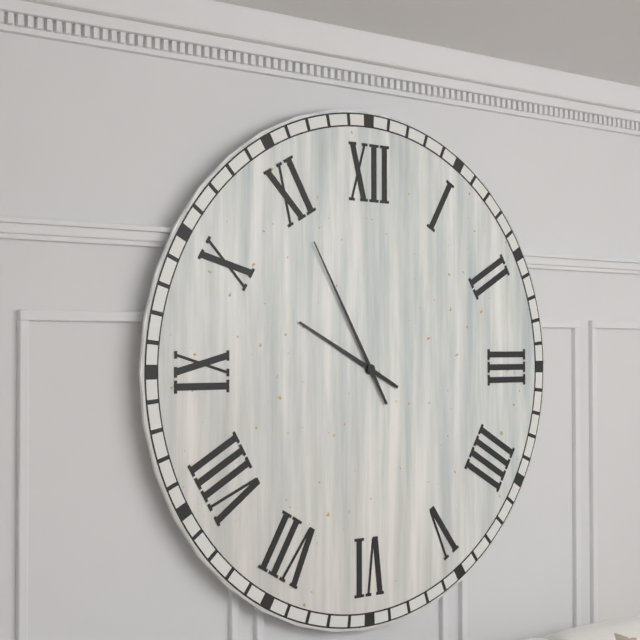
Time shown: 9:55
